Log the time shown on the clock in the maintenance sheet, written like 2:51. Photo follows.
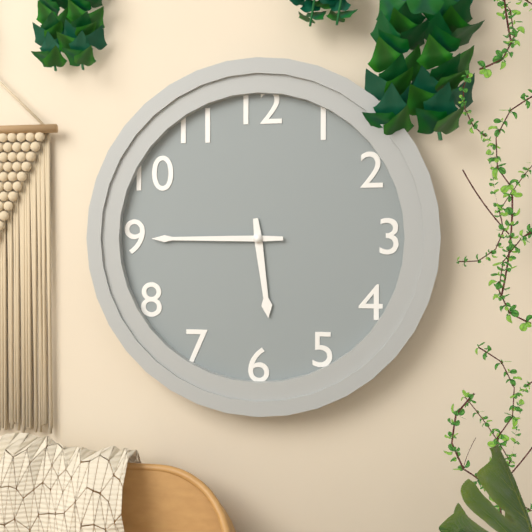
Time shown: 5:45
